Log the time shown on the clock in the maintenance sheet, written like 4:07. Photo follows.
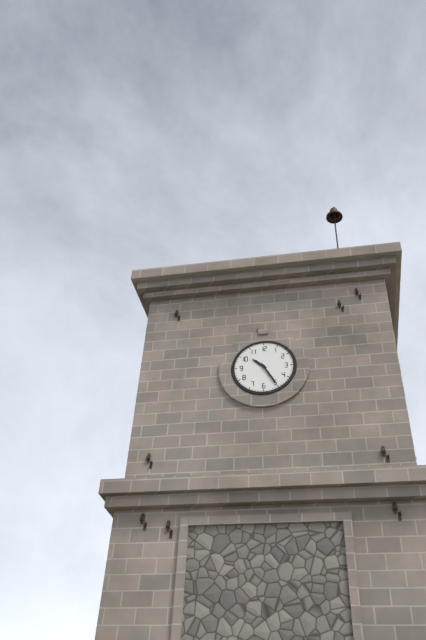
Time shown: 10:25
